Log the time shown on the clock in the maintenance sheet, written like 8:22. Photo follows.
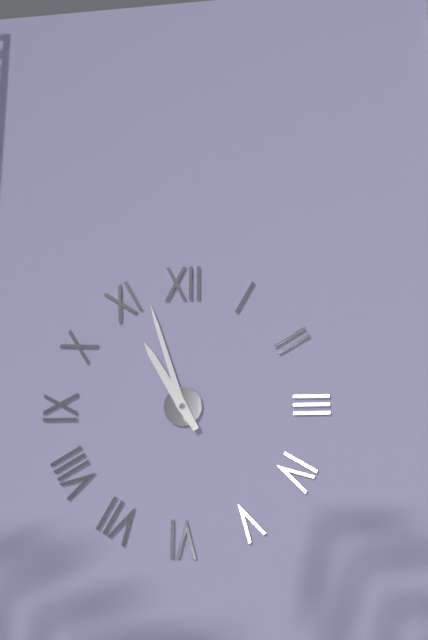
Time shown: 10:57
